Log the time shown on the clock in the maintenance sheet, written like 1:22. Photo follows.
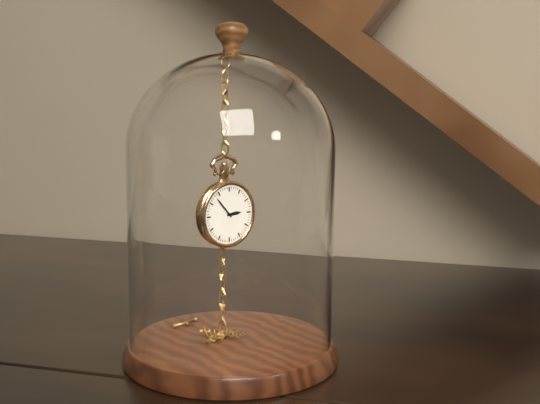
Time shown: 2:53
